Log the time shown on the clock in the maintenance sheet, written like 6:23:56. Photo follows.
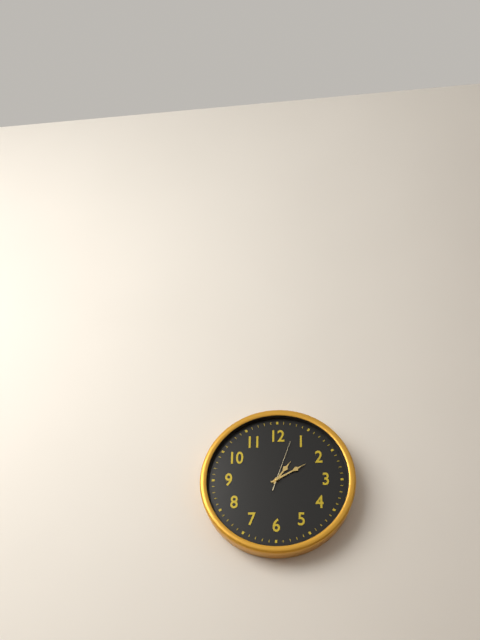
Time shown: 1:10:03
